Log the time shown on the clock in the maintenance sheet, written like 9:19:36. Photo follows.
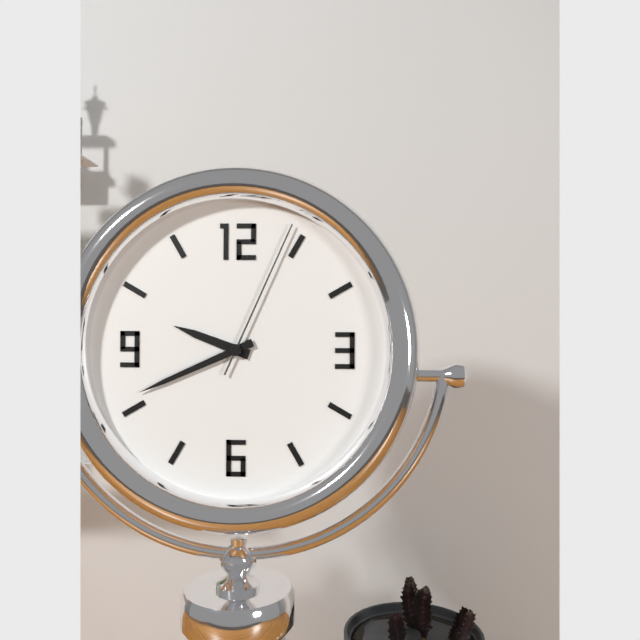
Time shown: 9:41:04
